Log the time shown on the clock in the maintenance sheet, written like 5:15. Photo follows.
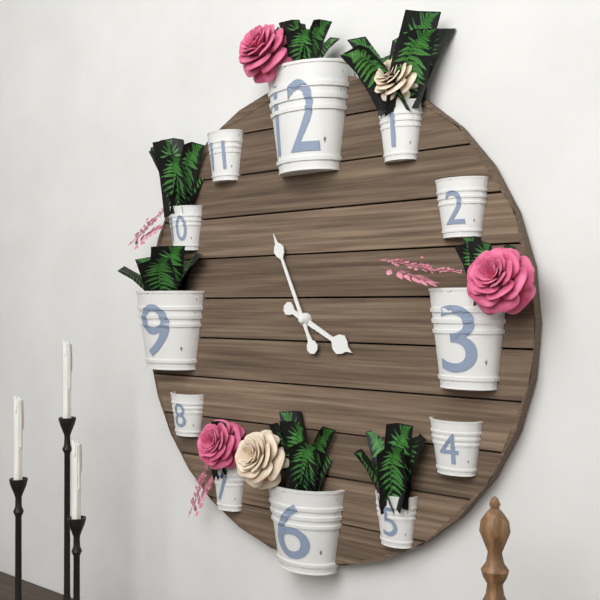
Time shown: 3:56
